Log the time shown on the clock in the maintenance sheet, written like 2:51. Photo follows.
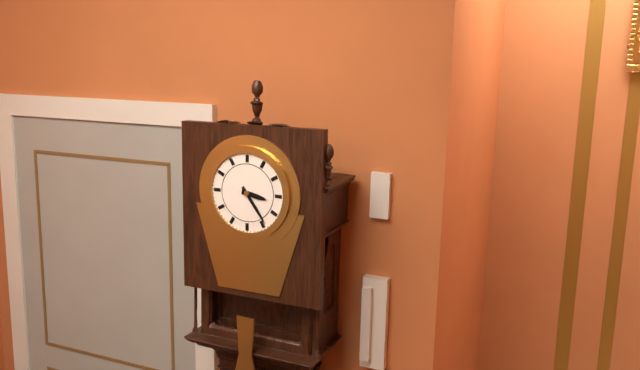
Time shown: 3:24
